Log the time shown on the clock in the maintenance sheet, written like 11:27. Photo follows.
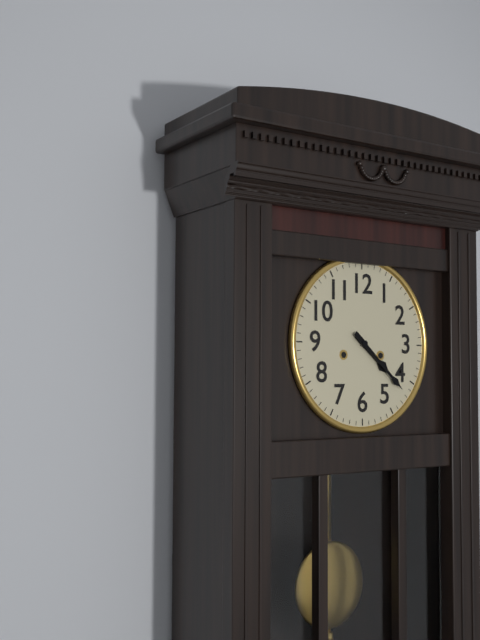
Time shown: 4:22
